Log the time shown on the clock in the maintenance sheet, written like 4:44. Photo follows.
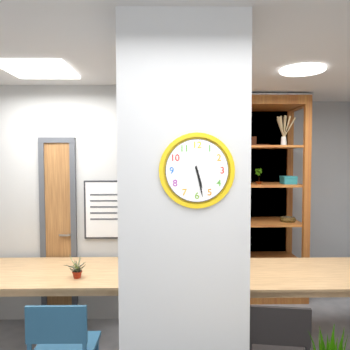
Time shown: 5:28
